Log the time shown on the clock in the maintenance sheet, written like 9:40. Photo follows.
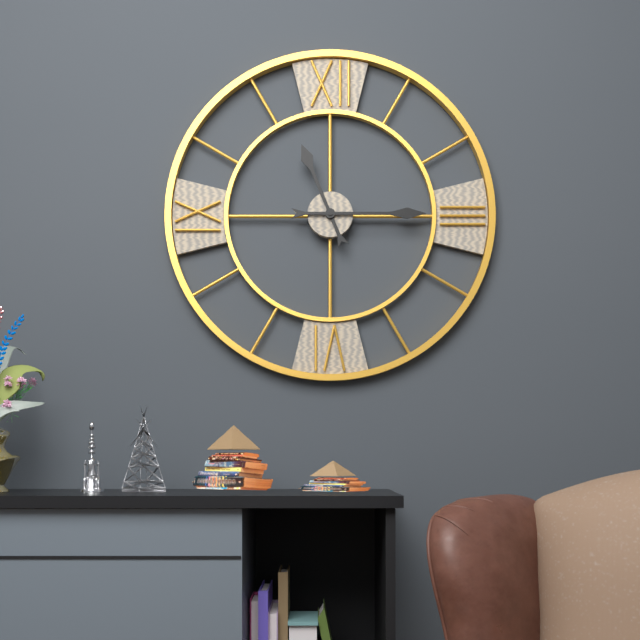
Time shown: 11:15
